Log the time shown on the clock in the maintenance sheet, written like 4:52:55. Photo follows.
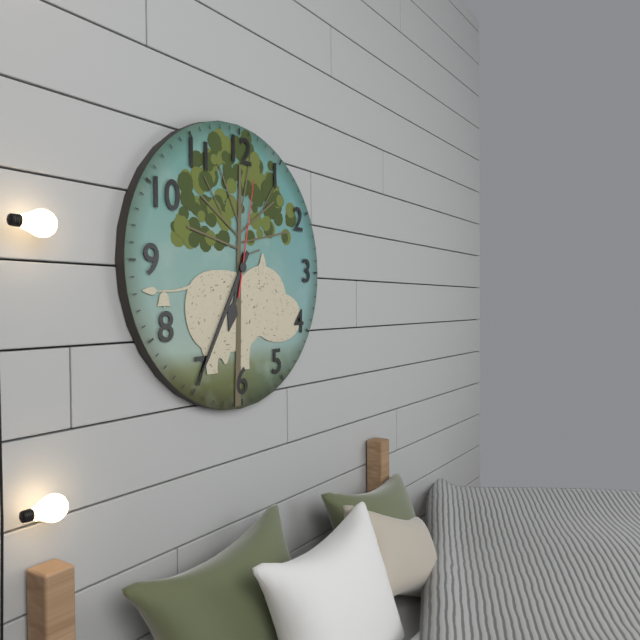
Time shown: 6:35:02
